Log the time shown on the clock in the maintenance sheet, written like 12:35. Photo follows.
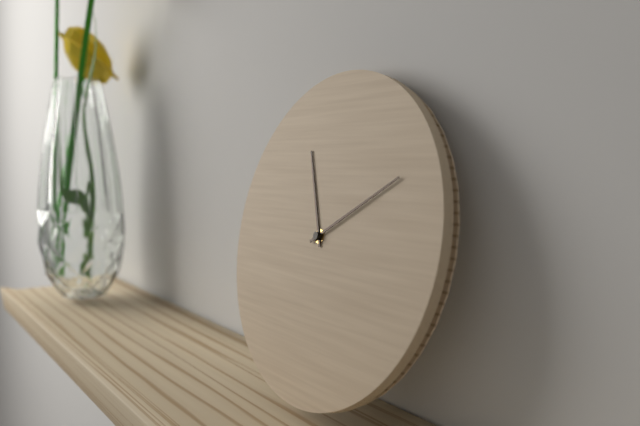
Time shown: 11:10
